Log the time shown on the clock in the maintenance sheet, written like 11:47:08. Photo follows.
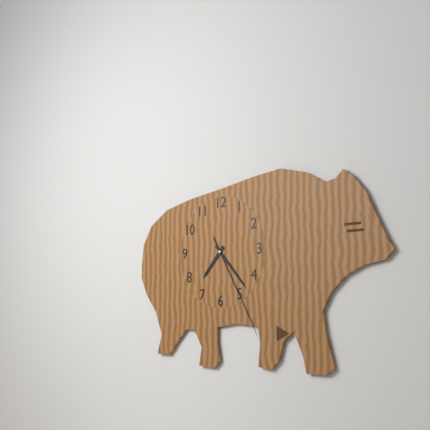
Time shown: 7:23:25
